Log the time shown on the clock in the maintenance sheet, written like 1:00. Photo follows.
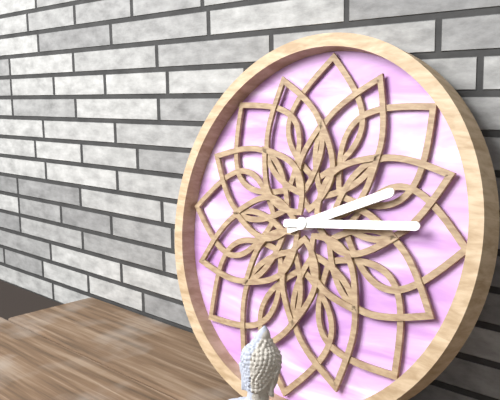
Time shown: 2:14
